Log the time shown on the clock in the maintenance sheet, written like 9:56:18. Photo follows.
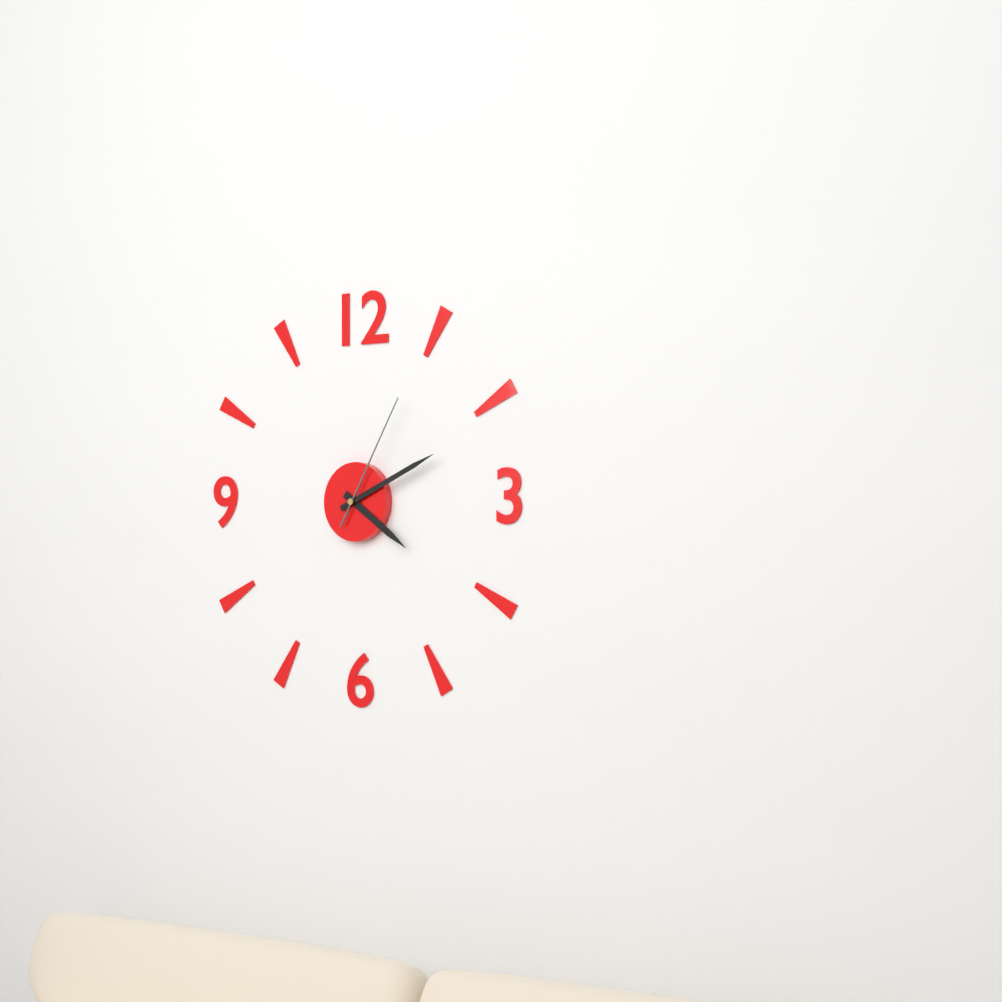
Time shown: 4:11:05
